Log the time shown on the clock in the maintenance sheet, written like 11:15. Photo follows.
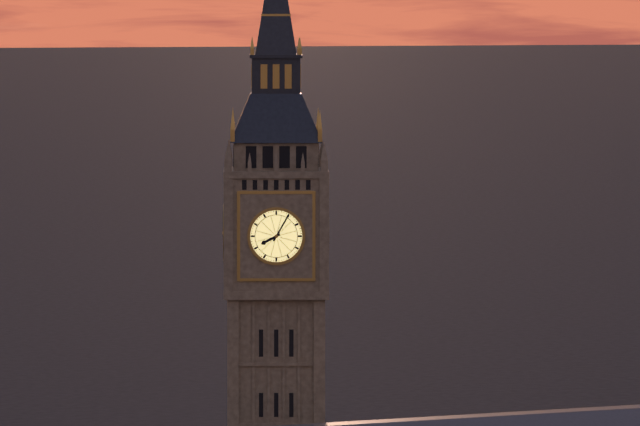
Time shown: 8:05
